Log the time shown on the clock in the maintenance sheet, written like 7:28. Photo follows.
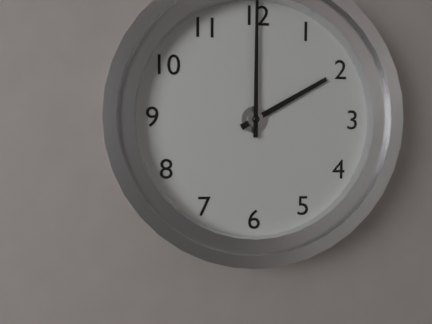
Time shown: 2:00
